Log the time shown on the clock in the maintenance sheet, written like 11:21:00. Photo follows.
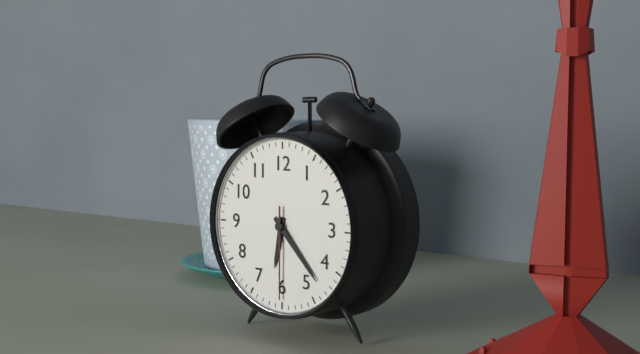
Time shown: 6:23:30
